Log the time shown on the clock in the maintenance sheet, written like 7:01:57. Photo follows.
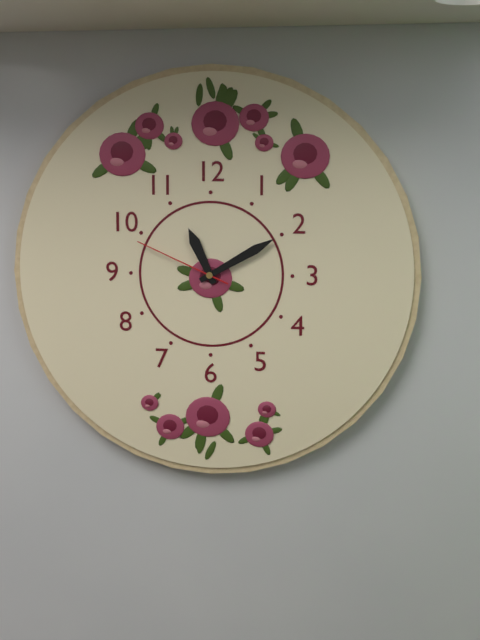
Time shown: 11:10:49
